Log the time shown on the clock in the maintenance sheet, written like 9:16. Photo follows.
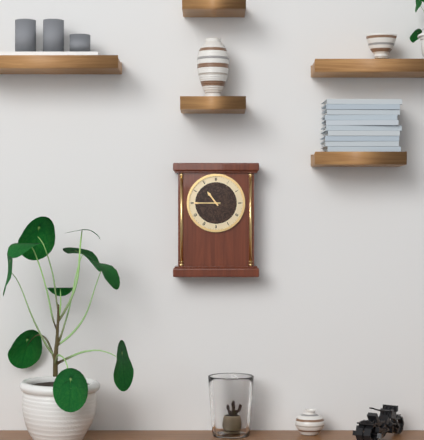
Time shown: 10:45
